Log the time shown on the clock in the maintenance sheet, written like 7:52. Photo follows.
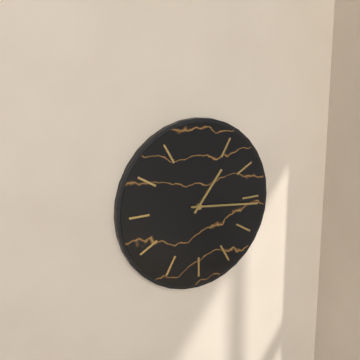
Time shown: 1:16
